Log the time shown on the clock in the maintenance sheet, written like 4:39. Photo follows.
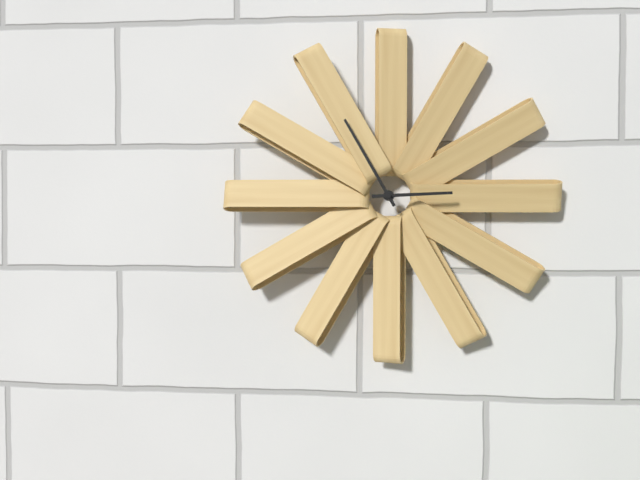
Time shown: 2:55
